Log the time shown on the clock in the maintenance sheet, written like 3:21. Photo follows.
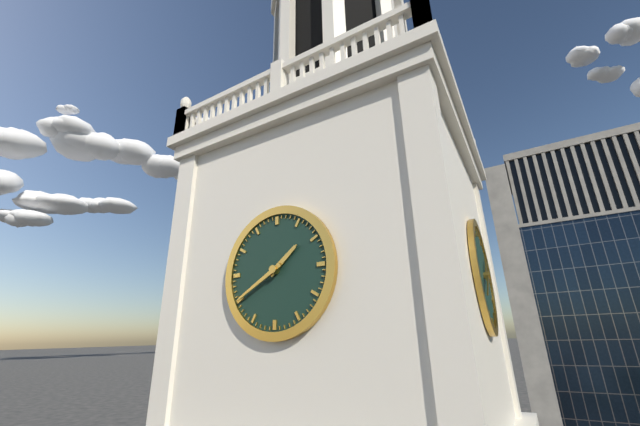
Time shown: 1:40
